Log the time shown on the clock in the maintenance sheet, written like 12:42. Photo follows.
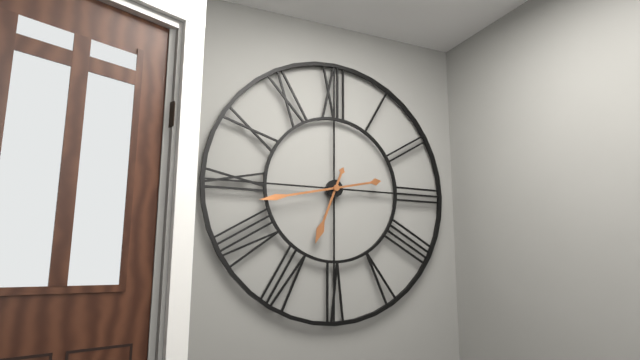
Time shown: 6:43
